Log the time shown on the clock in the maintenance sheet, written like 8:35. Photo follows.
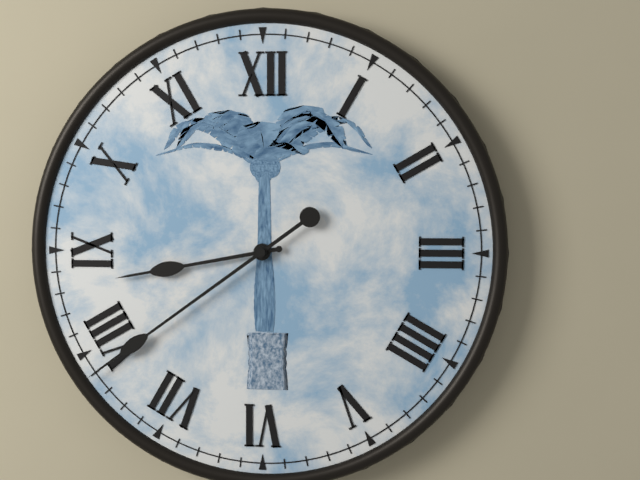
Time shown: 8:39
